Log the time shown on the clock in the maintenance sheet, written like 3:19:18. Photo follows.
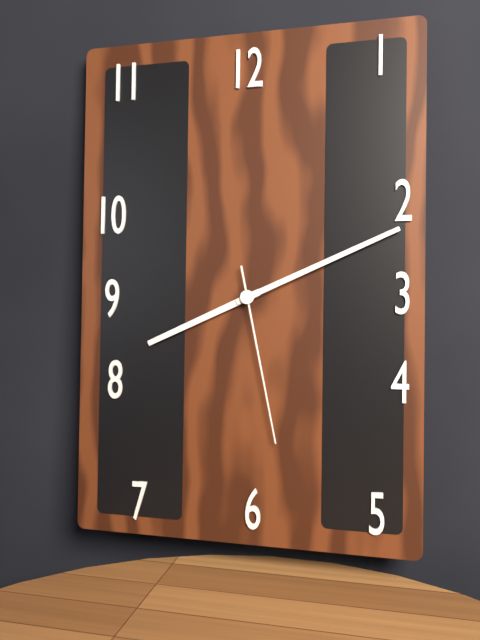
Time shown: 8:11:28
